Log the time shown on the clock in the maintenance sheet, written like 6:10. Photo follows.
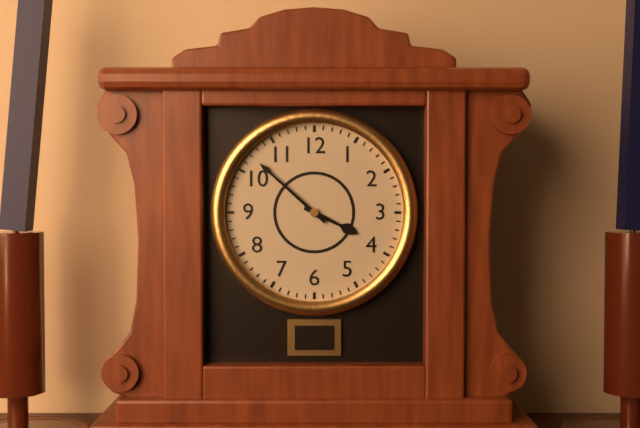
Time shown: 3:52
